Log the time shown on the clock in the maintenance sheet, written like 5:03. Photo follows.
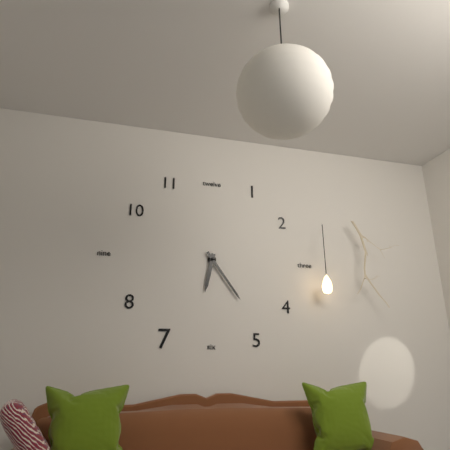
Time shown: 6:24
